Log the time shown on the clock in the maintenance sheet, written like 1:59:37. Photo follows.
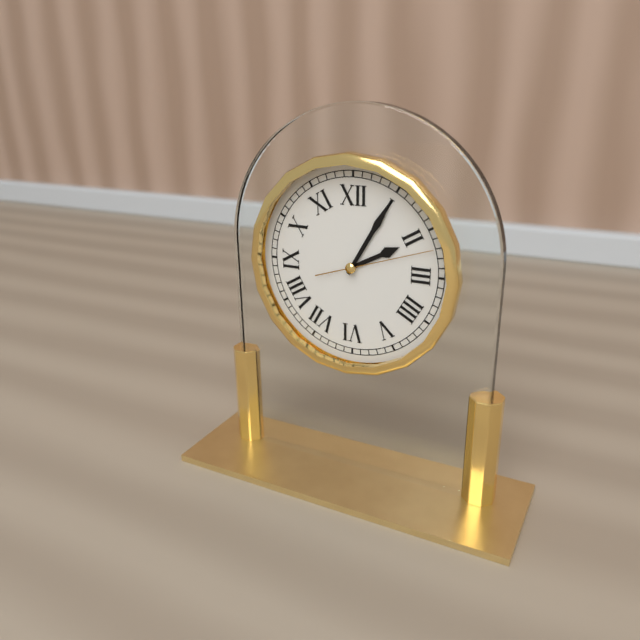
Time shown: 2:05:12
